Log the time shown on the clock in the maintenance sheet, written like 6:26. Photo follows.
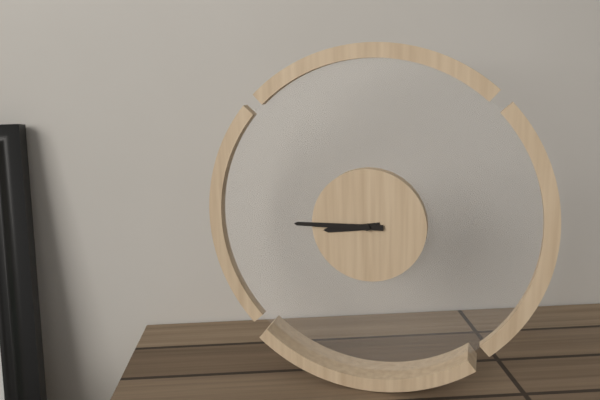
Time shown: 8:45
